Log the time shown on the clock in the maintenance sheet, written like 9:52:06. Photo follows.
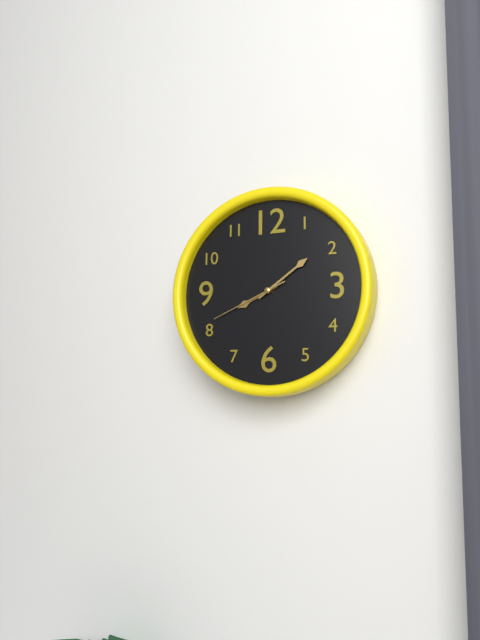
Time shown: 8:09:41
